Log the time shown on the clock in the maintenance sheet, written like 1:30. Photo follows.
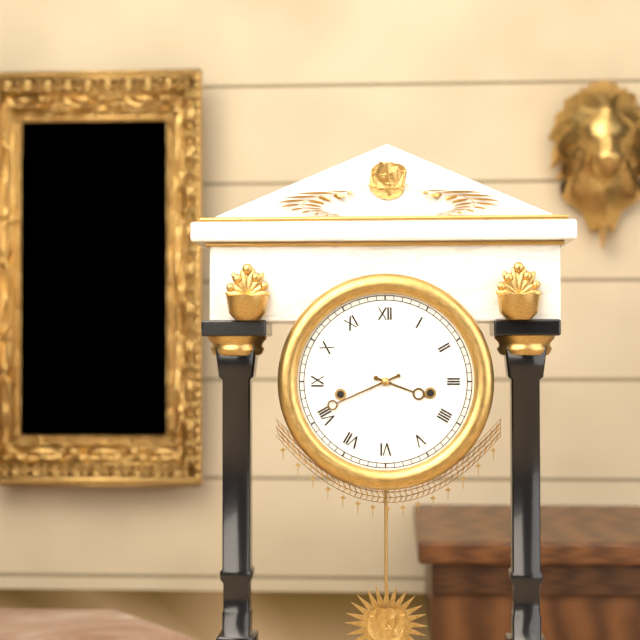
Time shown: 3:41
